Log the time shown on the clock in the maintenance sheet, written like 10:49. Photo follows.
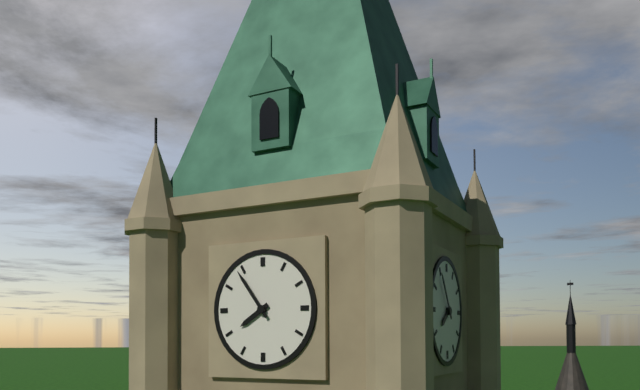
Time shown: 7:54
